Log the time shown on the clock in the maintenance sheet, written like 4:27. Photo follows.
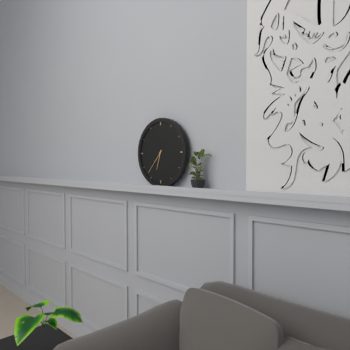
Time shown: 6:37
